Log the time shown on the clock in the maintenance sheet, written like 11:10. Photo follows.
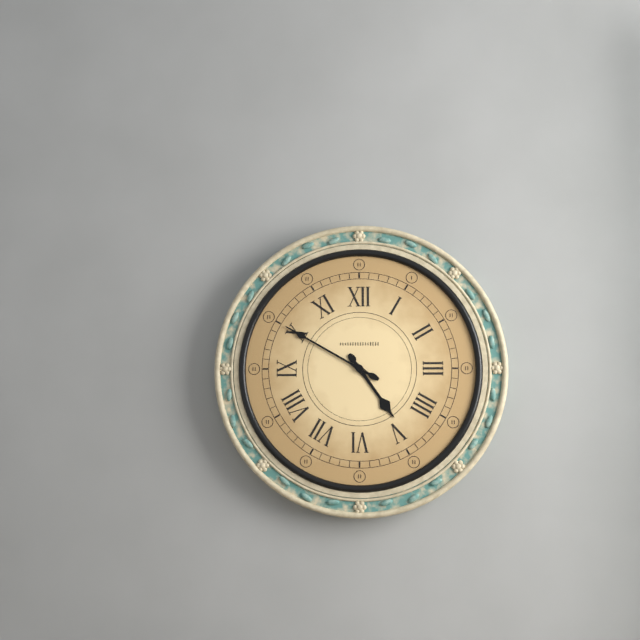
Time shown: 4:50
